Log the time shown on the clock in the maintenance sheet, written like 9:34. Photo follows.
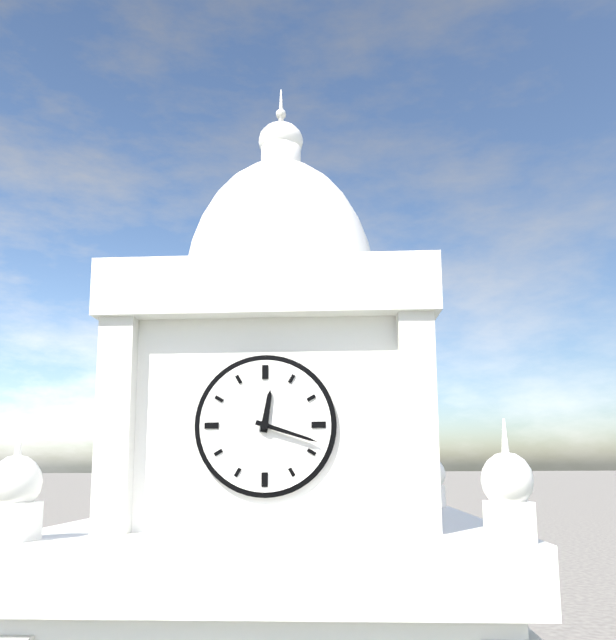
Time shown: 12:18
